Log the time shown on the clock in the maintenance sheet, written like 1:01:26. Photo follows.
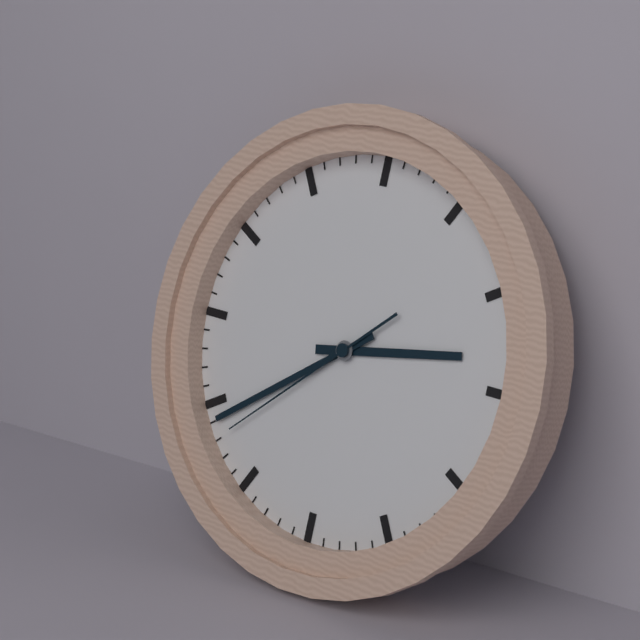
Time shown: 2:39:38
